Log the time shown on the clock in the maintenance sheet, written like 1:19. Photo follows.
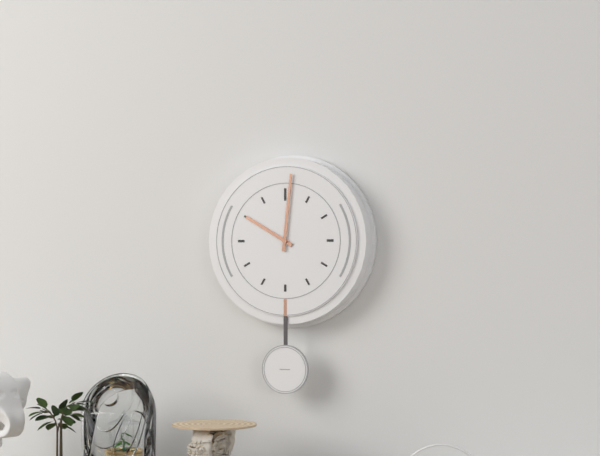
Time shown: 10:01
